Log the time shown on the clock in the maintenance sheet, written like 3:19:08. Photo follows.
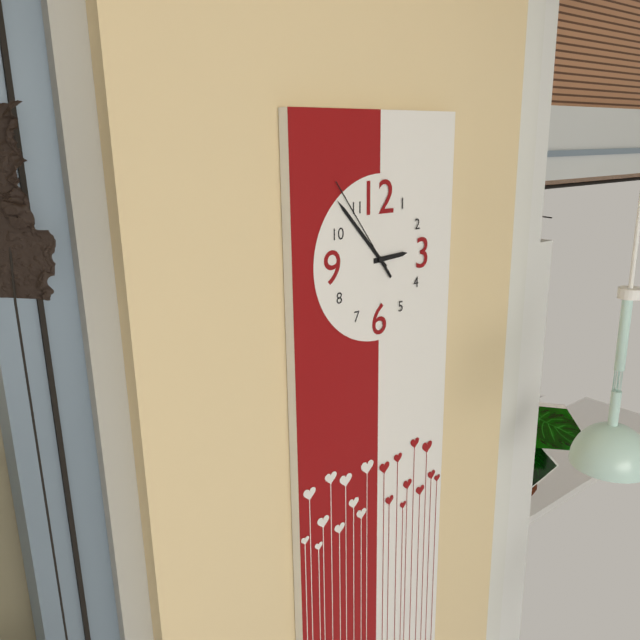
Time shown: 2:53:54
